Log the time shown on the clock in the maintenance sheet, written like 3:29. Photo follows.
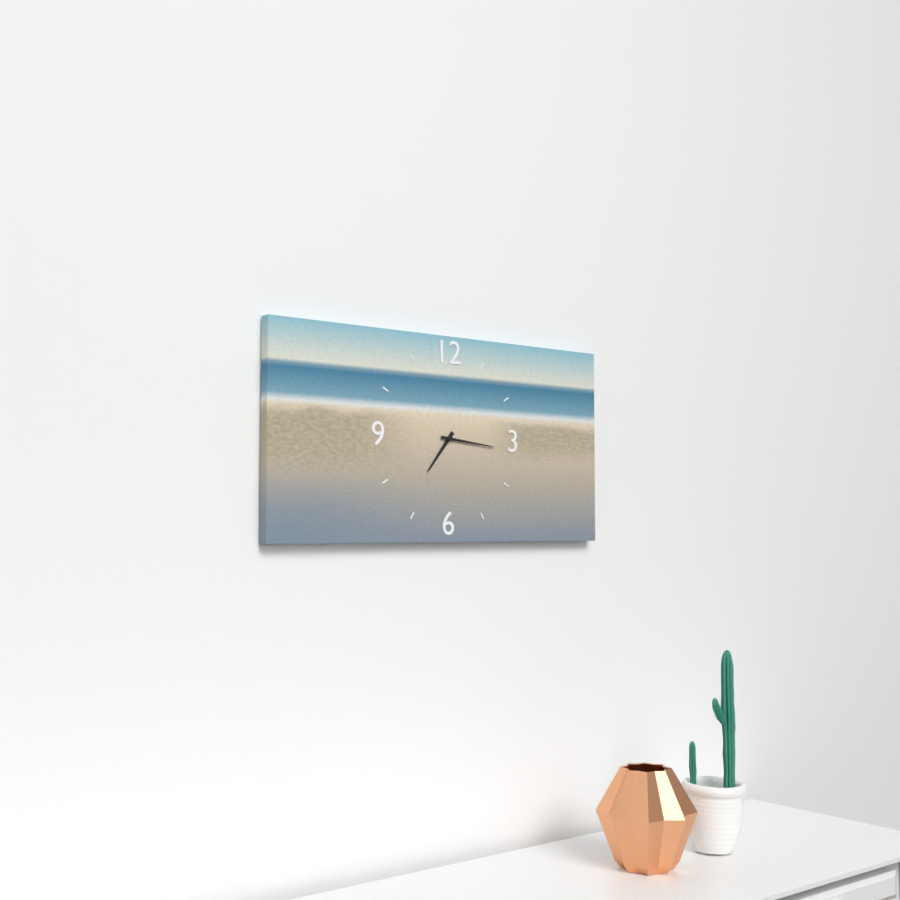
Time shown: 7:16
